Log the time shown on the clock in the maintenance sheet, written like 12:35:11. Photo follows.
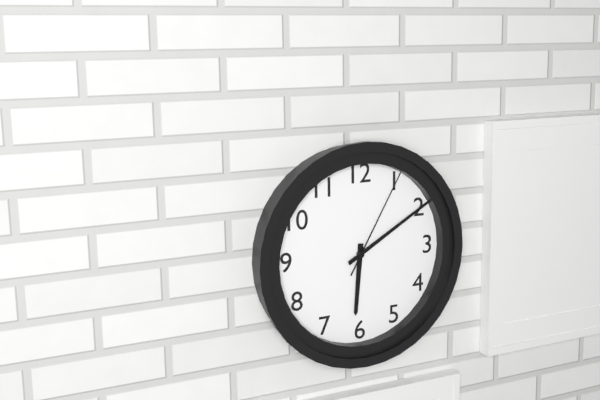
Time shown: 6:10:05
